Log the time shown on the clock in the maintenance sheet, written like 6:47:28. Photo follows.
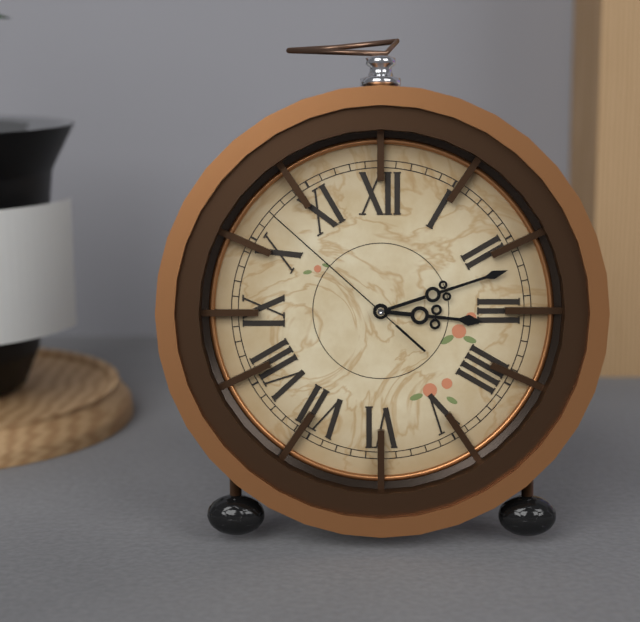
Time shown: 3:12:52
